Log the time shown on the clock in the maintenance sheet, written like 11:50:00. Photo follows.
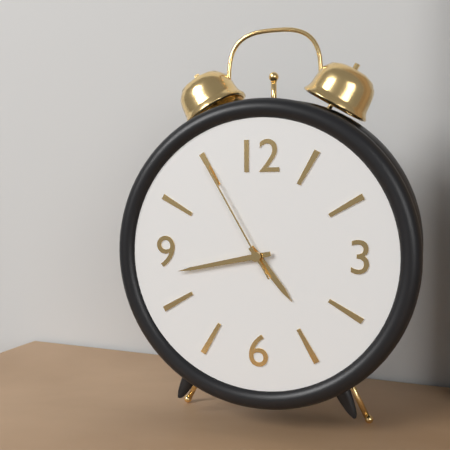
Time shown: 4:43:55
